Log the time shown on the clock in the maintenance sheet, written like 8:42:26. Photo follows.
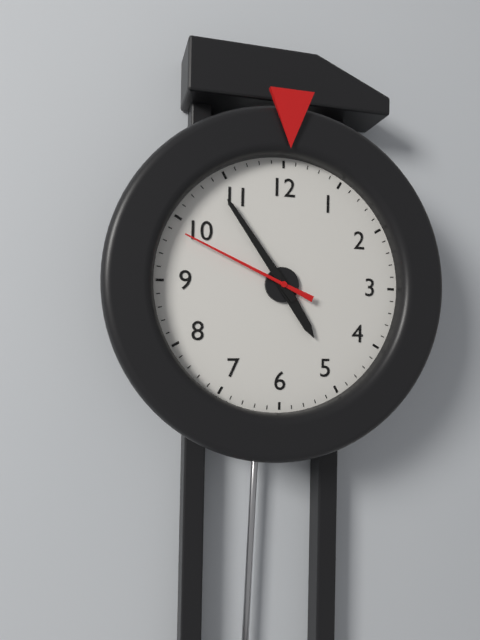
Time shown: 4:54:49
